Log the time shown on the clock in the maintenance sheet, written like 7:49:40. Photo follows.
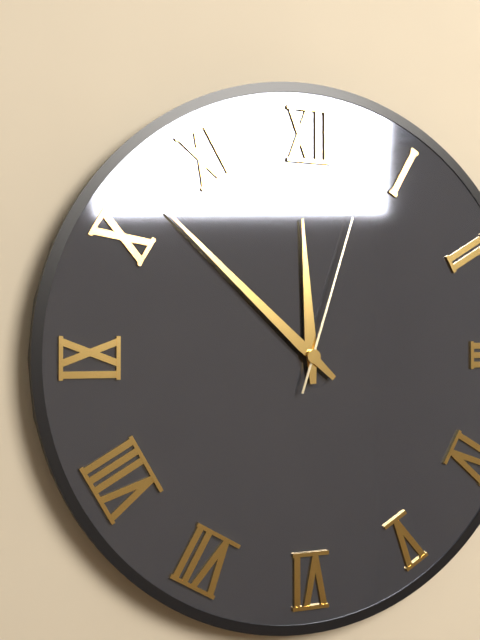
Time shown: 11:52:03
